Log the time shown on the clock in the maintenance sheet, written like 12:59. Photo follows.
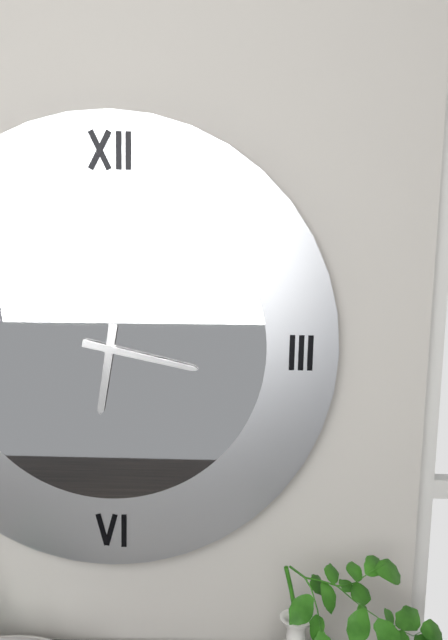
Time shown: 6:17
